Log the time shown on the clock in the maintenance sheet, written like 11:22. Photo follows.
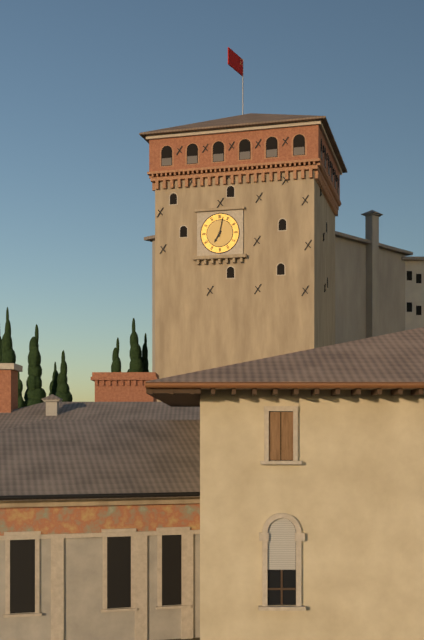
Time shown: 7:02
